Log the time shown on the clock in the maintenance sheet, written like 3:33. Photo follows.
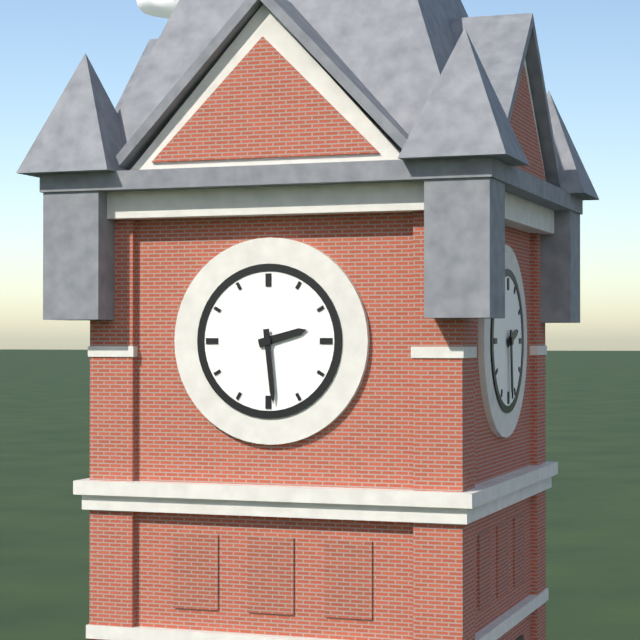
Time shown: 2:29
